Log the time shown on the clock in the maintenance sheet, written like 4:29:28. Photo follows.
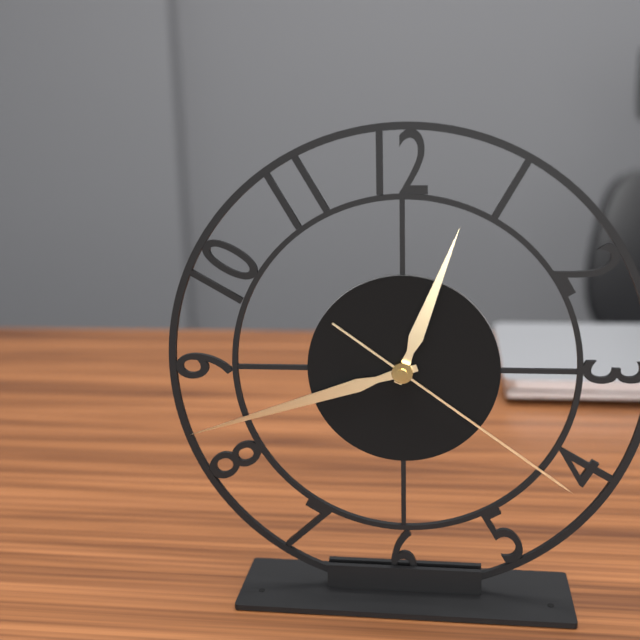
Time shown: 12:42:21
